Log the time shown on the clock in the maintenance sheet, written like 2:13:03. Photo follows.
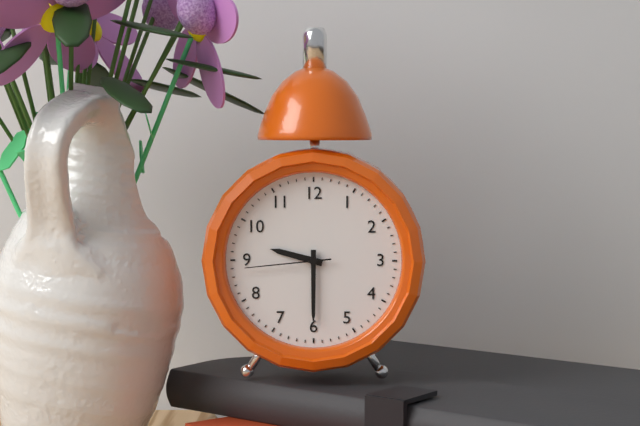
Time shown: 9:30:44
